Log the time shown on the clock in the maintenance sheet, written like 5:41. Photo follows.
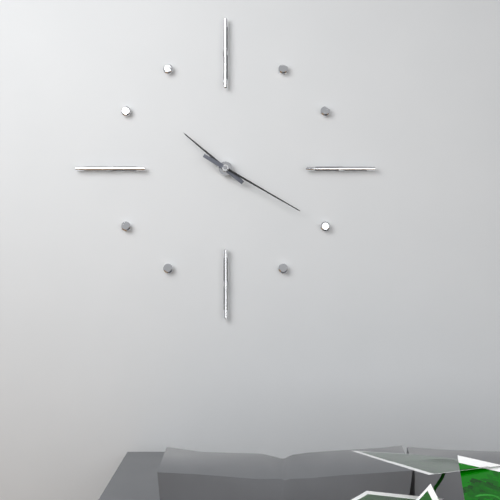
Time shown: 10:20
